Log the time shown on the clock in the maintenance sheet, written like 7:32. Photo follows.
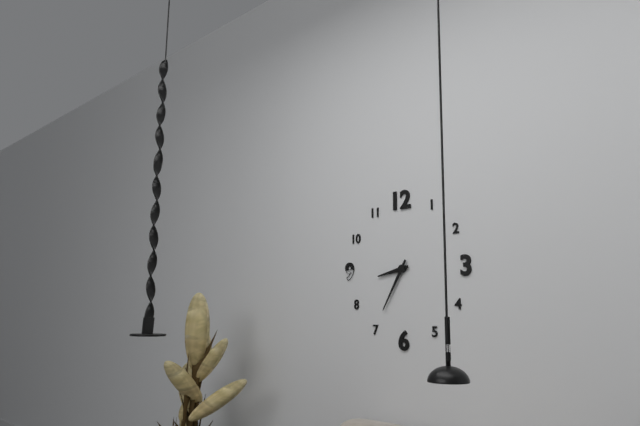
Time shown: 8:35
